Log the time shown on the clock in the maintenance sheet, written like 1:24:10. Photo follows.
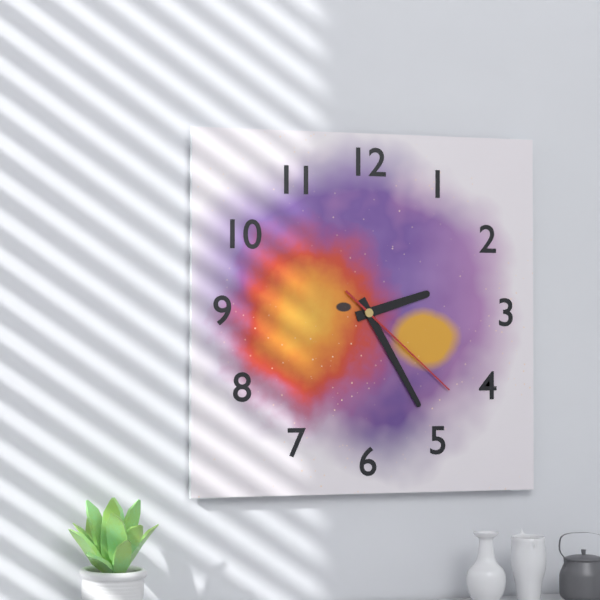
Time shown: 2:25:22
